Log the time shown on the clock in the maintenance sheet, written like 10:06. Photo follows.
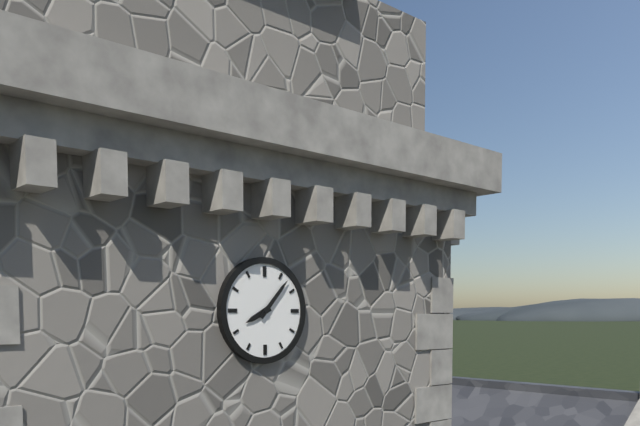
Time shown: 8:07
